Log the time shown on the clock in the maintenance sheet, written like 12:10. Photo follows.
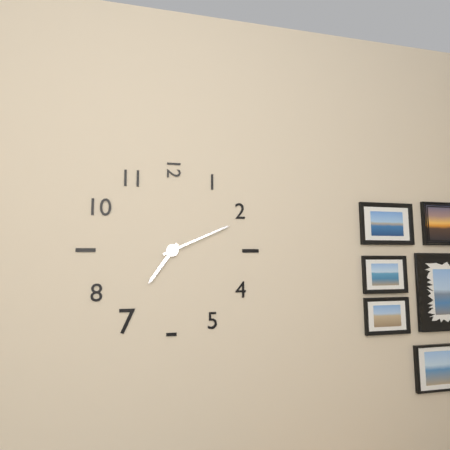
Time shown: 7:11
